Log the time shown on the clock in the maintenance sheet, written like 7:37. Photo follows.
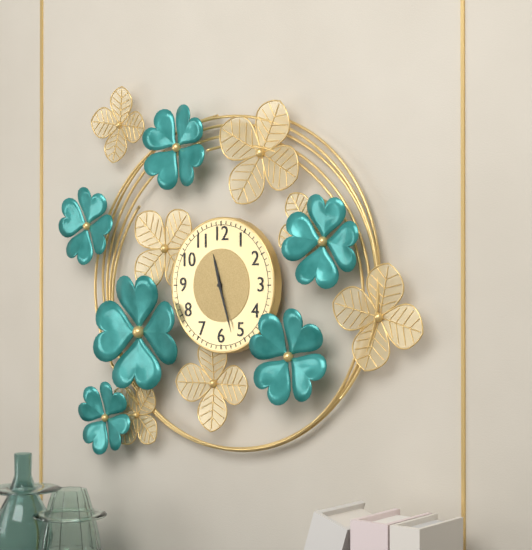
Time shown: 11:27
